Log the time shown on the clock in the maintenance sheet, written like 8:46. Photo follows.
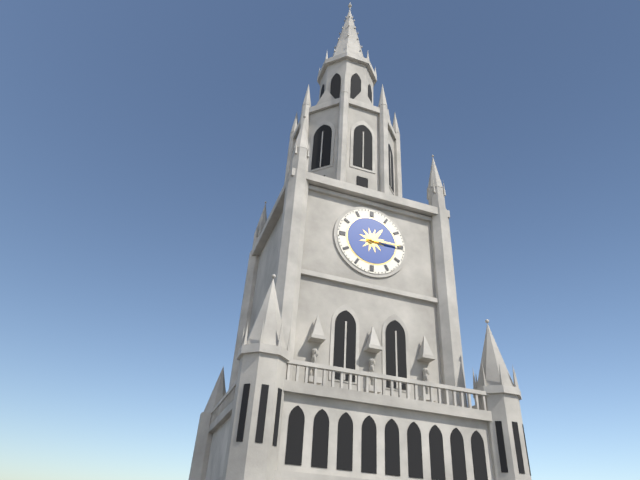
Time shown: 1:15
